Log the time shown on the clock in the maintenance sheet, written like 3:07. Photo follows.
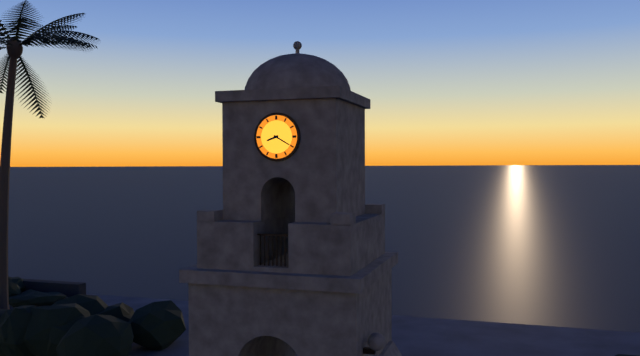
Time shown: 8:20
